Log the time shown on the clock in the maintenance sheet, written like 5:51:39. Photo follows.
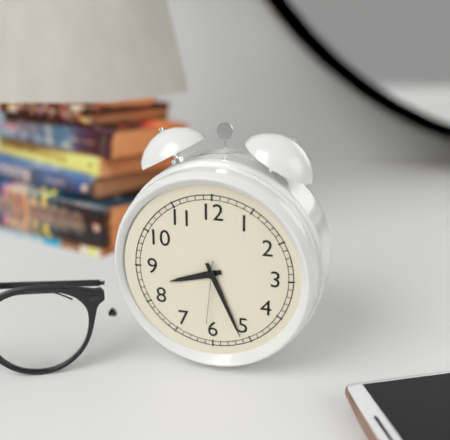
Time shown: 8:26:31
